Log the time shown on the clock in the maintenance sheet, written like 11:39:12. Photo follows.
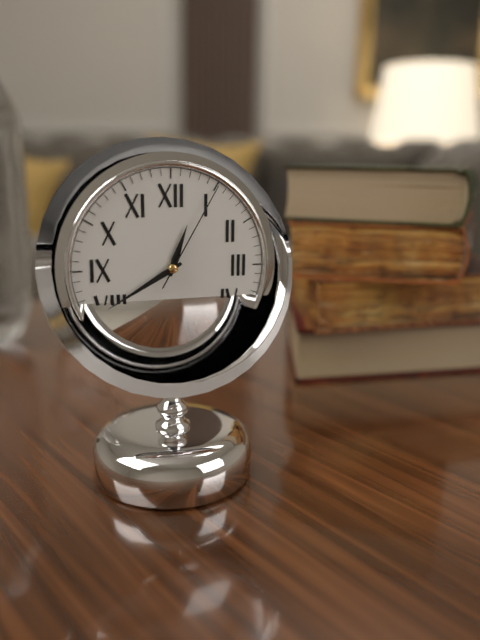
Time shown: 12:40:05
